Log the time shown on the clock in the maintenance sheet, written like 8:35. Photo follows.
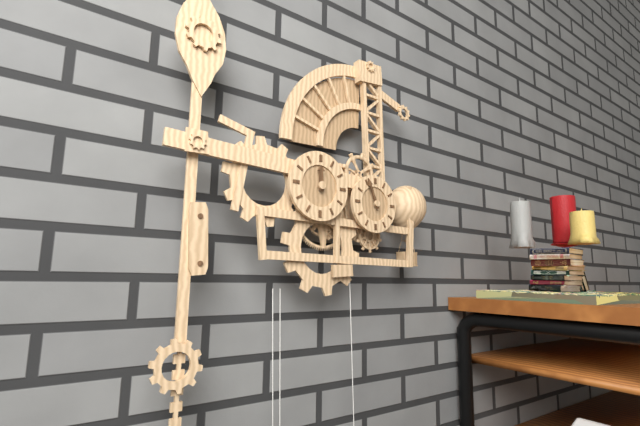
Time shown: 11:56
